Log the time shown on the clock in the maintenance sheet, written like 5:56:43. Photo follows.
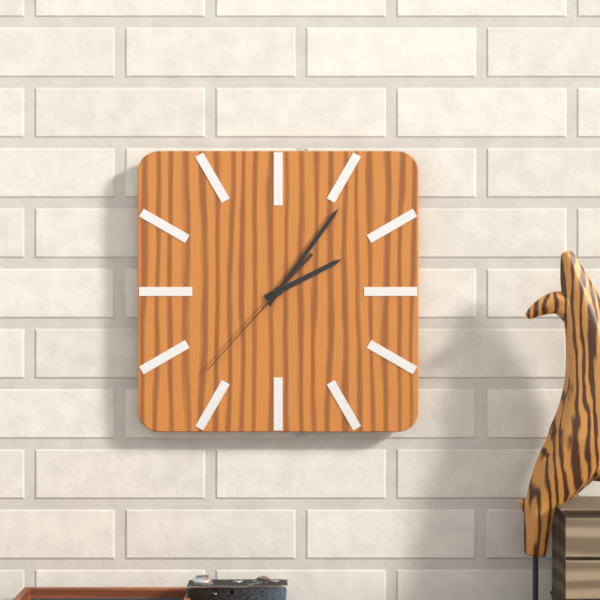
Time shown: 2:06:37
